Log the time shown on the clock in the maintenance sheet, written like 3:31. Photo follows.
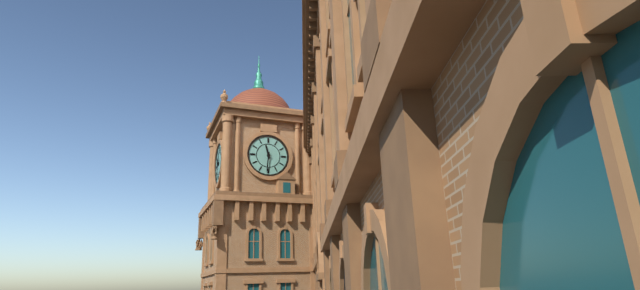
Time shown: 11:31
